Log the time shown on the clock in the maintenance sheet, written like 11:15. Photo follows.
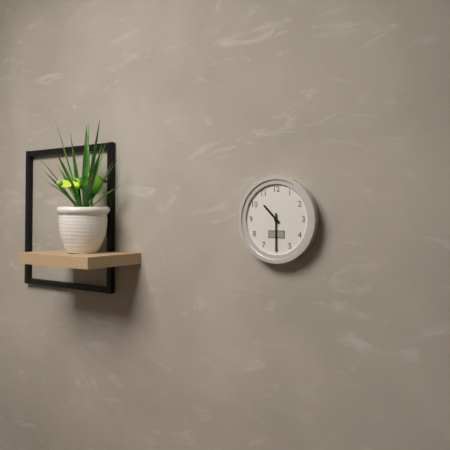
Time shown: 10:30
